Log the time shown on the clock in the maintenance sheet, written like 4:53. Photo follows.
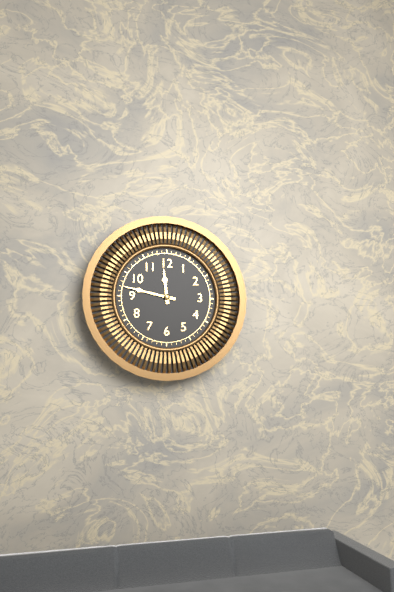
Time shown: 11:47
